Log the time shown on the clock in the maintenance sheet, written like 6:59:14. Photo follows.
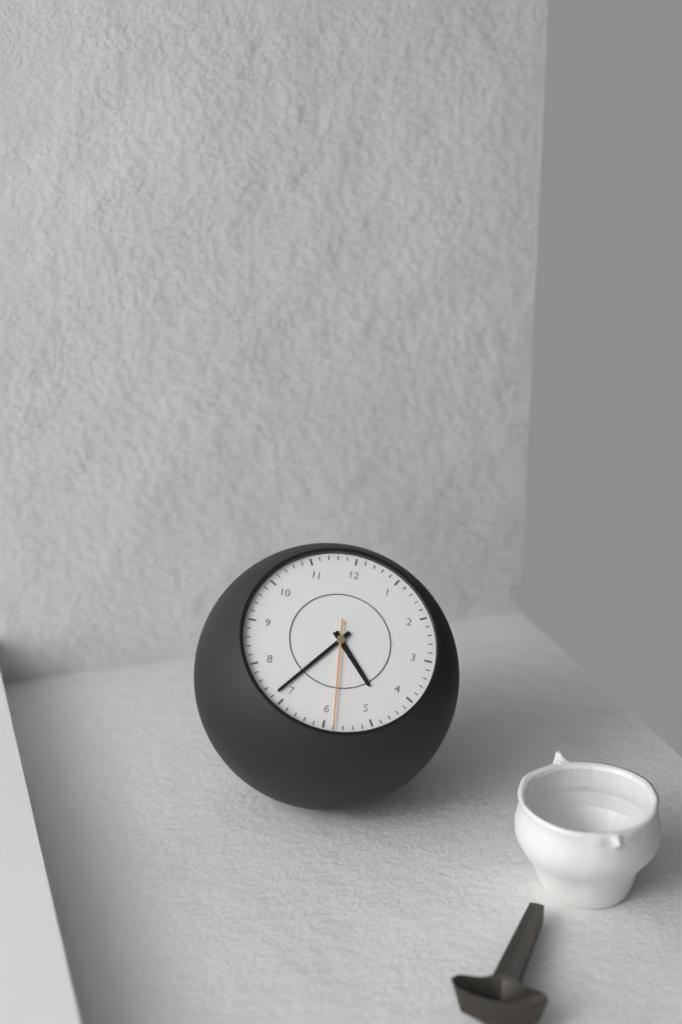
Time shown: 4:36:29
